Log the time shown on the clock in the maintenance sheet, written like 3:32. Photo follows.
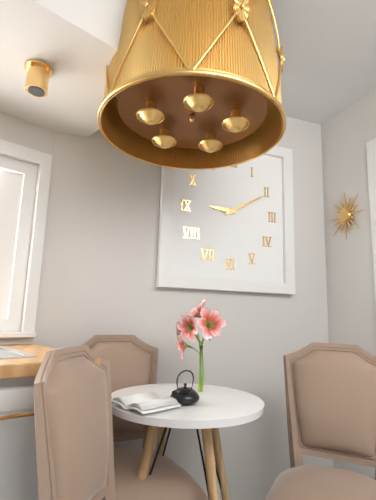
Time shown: 9:10
